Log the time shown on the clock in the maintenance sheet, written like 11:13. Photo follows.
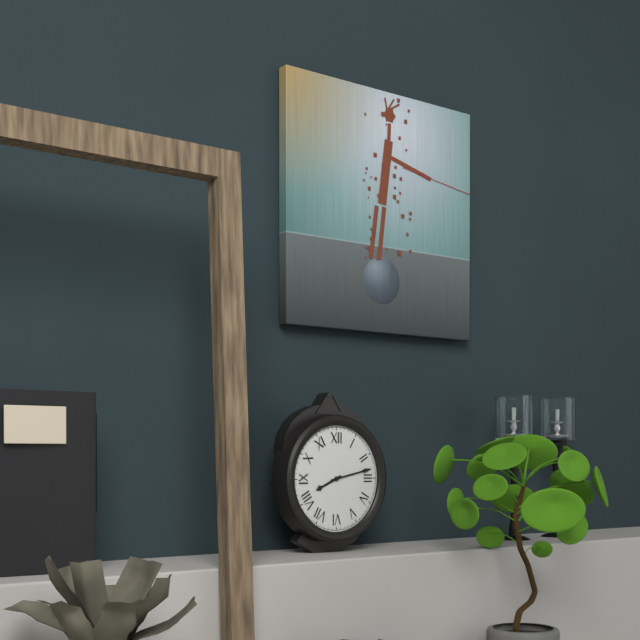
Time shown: 8:13
